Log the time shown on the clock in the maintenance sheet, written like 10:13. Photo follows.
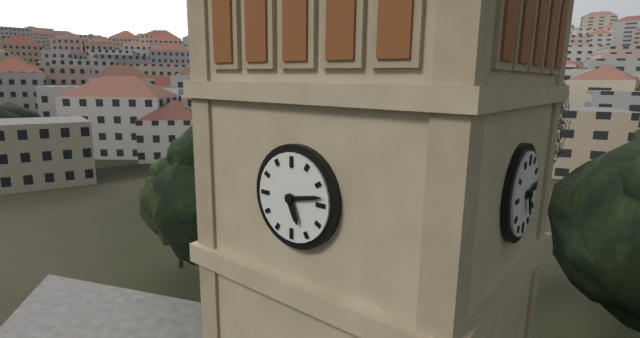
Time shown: 5:13
